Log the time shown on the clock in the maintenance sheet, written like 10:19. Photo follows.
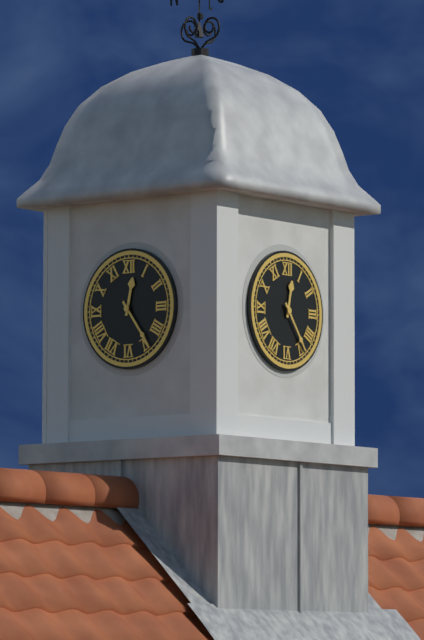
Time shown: 12:24
